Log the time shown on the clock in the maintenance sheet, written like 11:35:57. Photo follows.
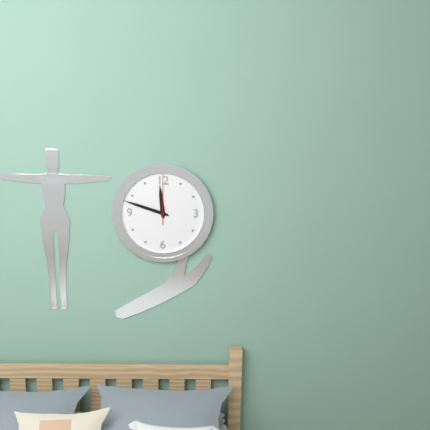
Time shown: 11:48:00
